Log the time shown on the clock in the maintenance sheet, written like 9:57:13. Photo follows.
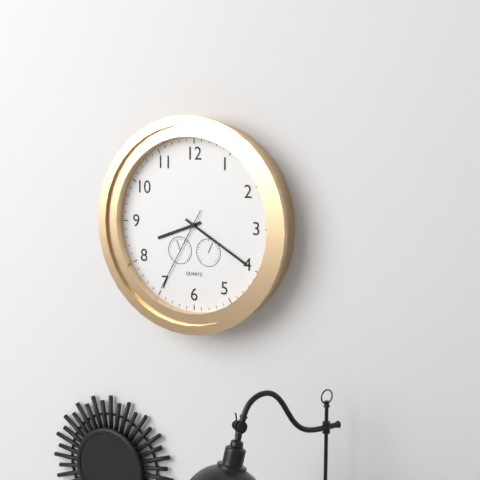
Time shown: 8:20:35
